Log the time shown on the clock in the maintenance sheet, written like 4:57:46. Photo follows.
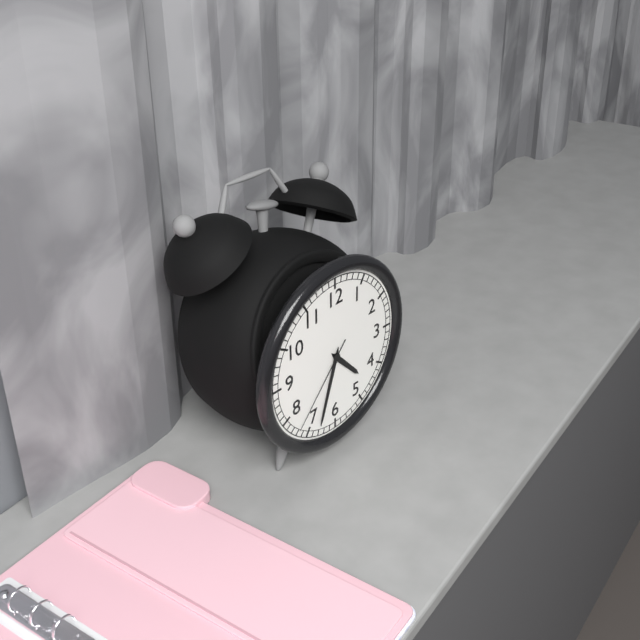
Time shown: 4:33:37
